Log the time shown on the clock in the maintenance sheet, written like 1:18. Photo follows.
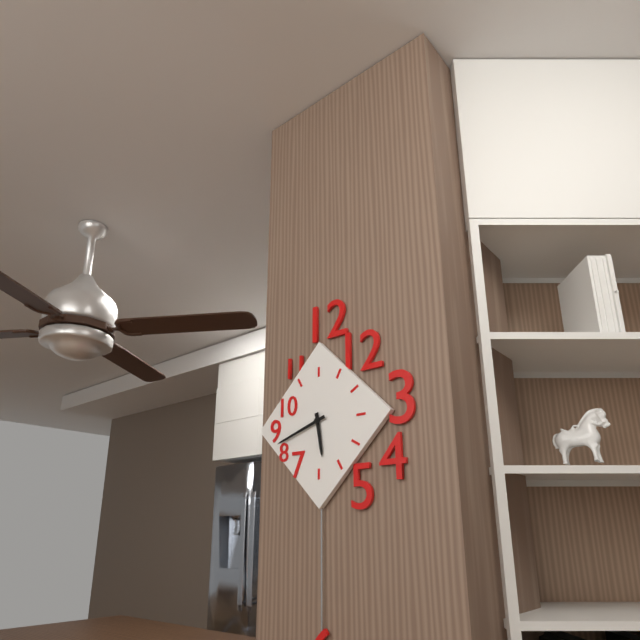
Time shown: 5:42
